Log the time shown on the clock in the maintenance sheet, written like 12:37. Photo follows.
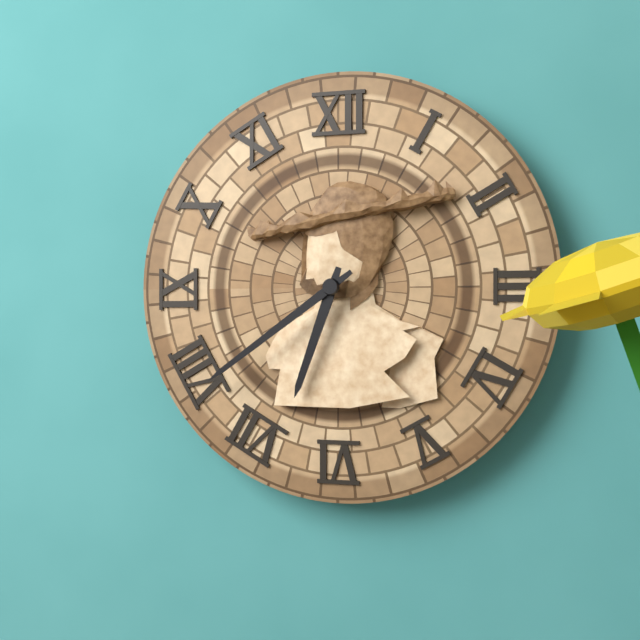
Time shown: 6:39
